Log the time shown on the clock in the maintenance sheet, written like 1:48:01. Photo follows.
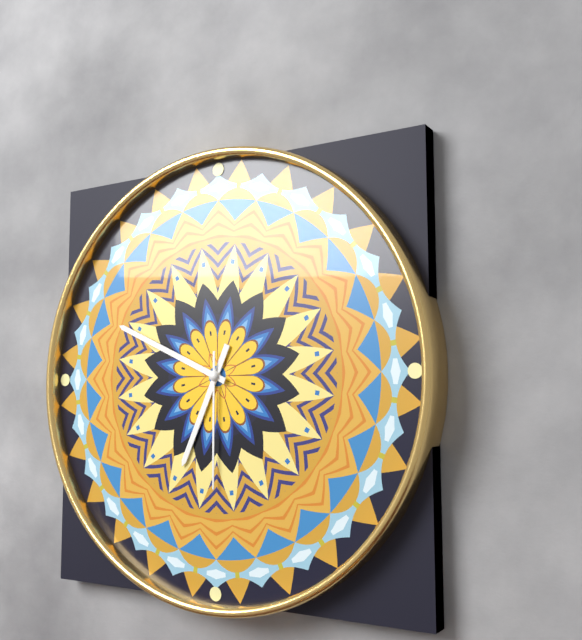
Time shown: 6:49:30
